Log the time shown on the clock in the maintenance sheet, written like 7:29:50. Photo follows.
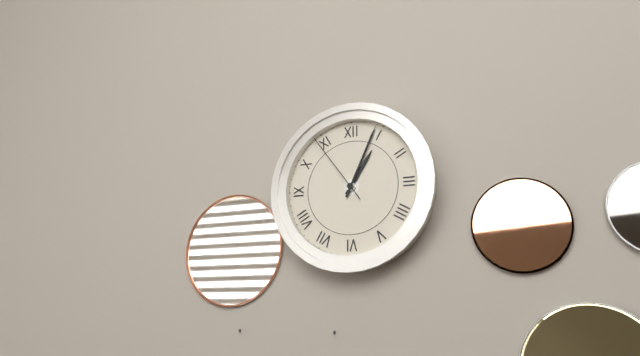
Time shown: 1:04:54
